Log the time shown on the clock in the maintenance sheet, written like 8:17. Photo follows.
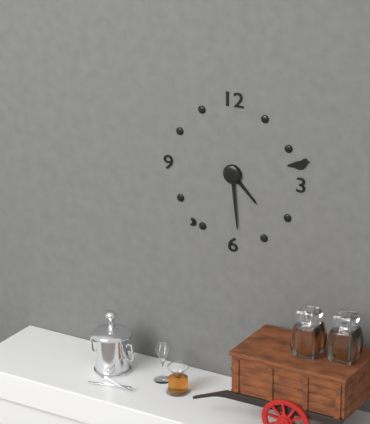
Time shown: 4:29
